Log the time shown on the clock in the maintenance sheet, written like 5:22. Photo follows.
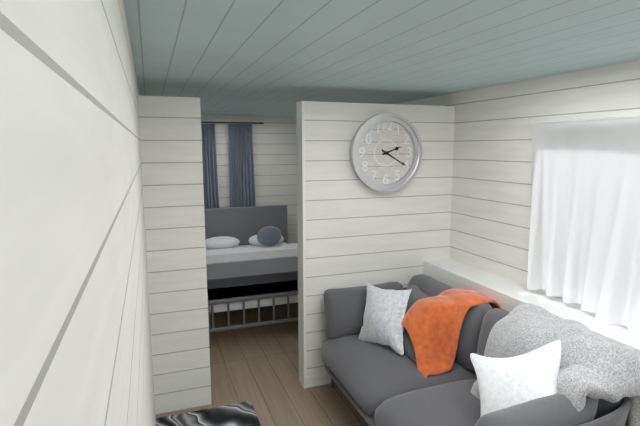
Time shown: 2:20
